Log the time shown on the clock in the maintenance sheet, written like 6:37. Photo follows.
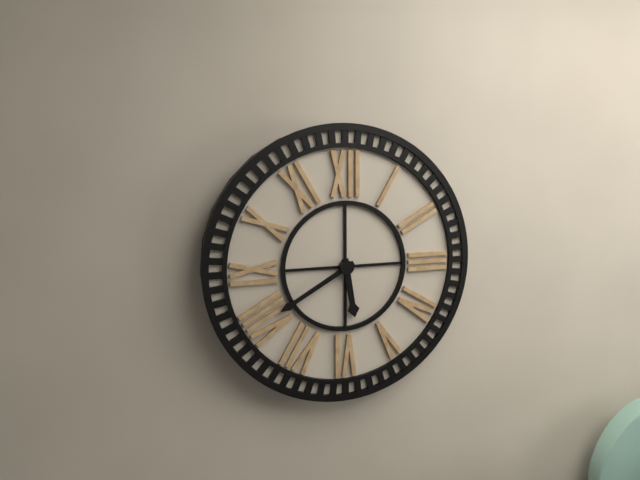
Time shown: 5:40
